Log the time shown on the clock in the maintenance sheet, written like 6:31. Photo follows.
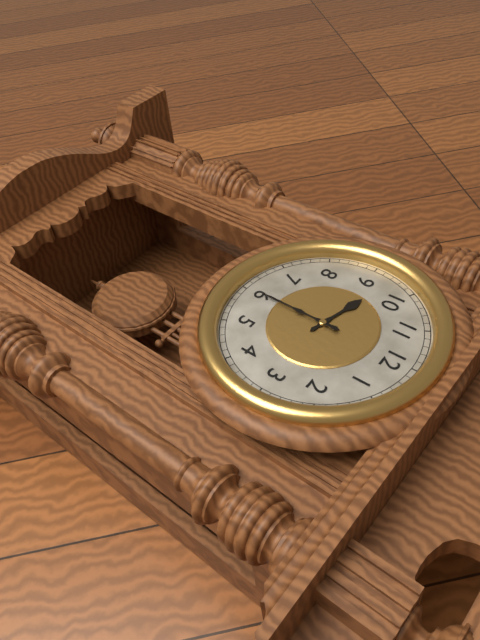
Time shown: 9:30
